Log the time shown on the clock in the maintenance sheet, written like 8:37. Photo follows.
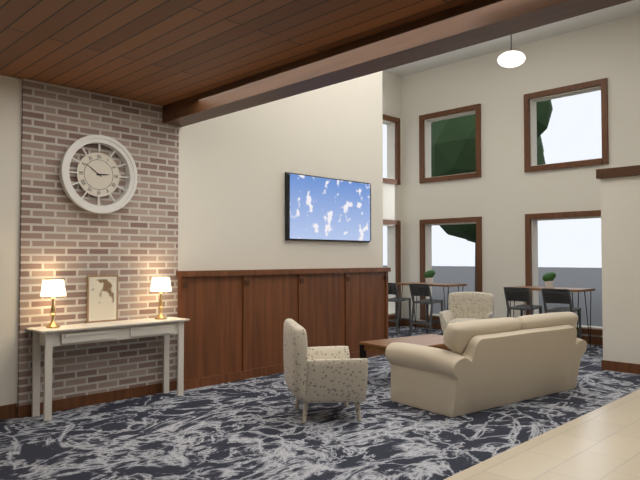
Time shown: 2:51
